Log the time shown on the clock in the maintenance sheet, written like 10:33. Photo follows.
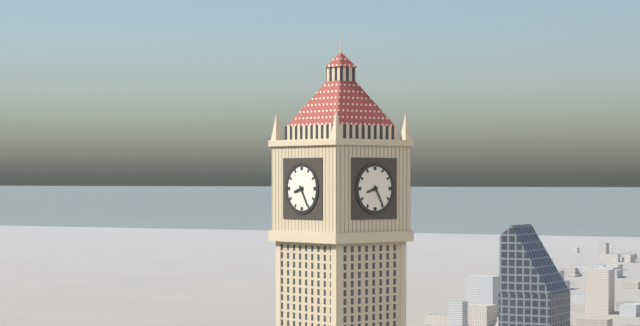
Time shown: 8:25
